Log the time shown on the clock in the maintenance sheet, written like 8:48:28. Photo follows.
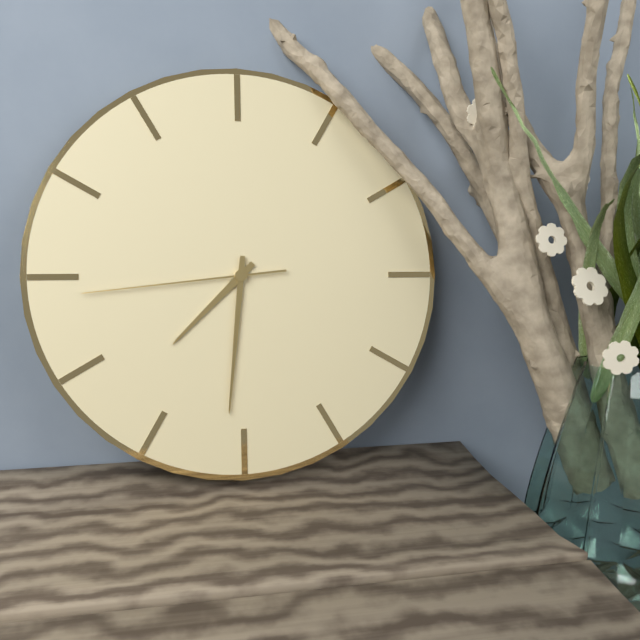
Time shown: 7:31:44
